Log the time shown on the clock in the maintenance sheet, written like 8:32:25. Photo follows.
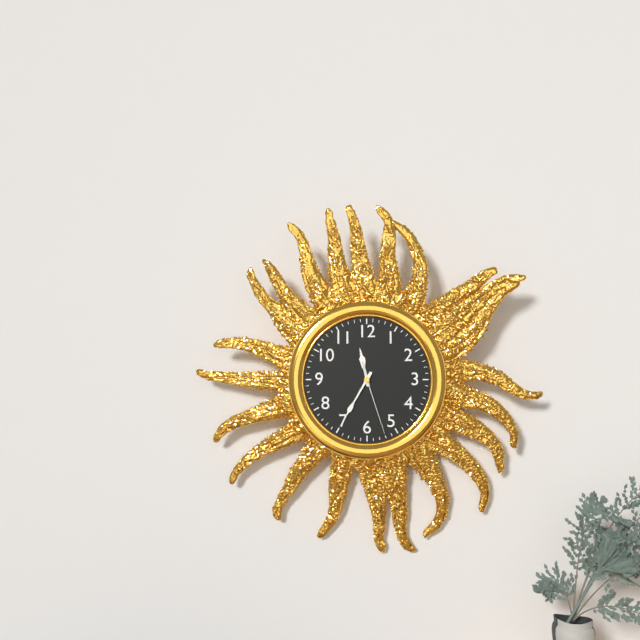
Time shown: 11:35:27
